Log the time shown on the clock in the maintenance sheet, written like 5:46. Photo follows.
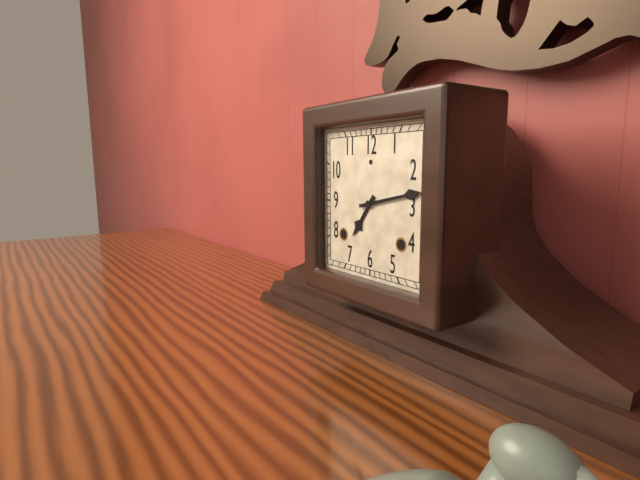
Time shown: 7:13
